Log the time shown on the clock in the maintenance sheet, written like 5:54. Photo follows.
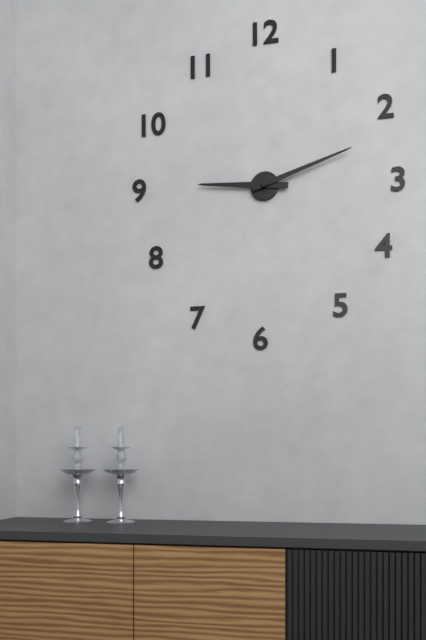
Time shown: 9:12
